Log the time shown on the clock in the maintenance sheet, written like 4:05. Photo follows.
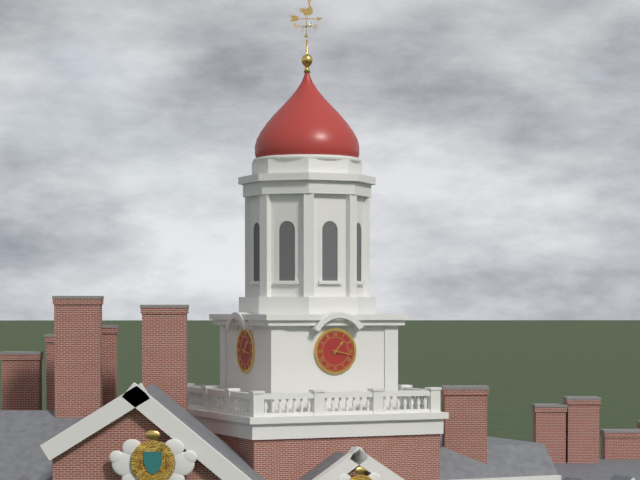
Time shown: 1:17
